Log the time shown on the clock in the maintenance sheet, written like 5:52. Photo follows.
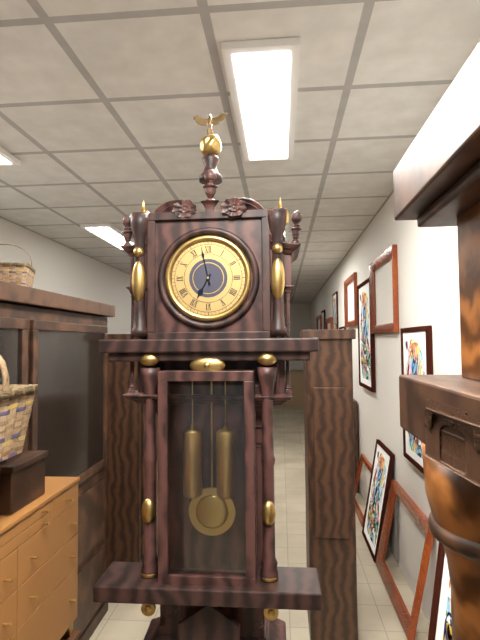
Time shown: 6:58
